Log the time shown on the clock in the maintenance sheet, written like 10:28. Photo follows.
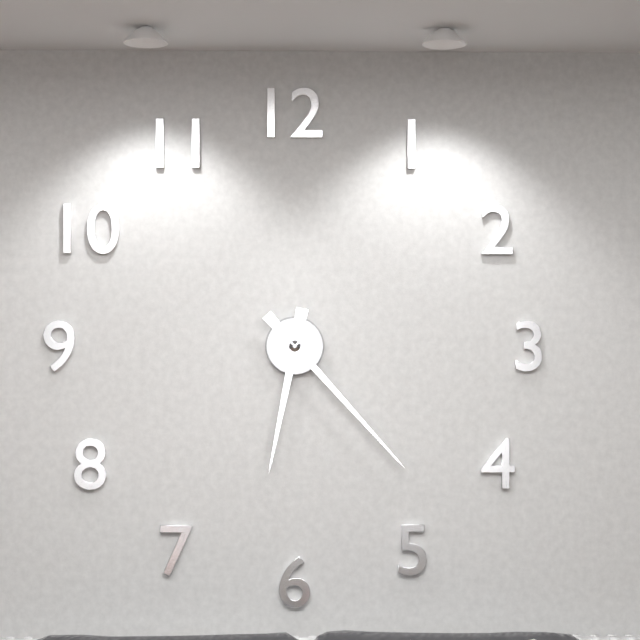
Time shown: 6:23
